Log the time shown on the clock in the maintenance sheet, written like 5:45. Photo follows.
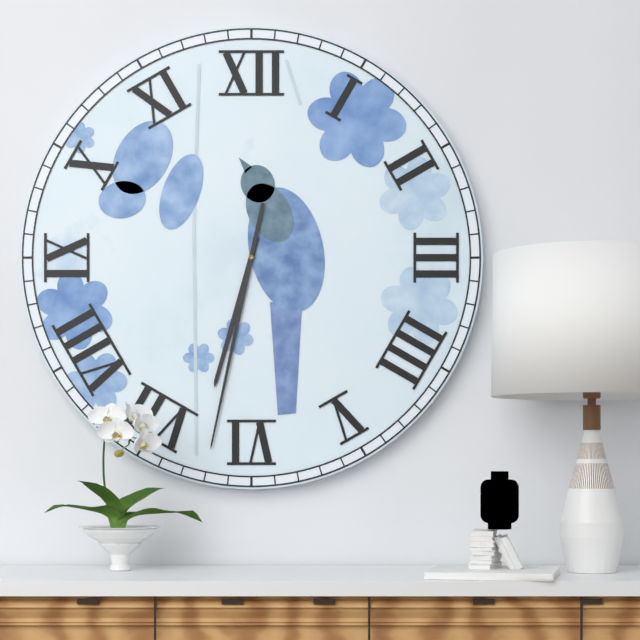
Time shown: 6:32
